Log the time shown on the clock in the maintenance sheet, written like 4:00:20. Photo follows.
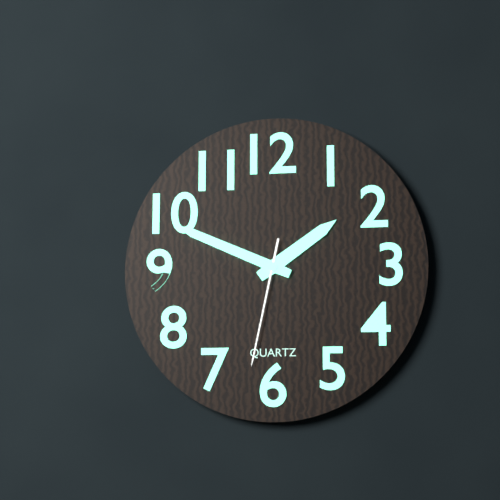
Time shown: 1:49:32
